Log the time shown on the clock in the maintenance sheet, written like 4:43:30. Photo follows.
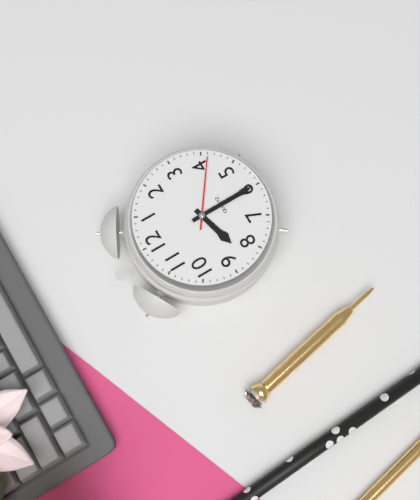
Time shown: 8:30:21
